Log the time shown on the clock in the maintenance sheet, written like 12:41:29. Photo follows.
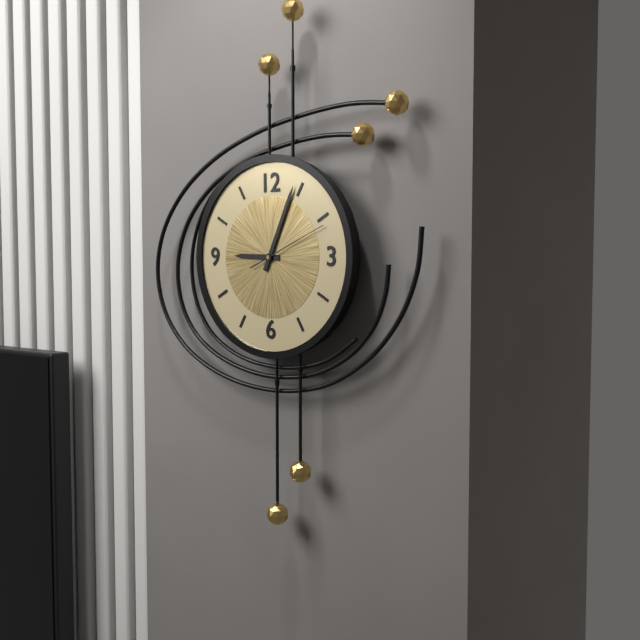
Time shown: 9:04:11
